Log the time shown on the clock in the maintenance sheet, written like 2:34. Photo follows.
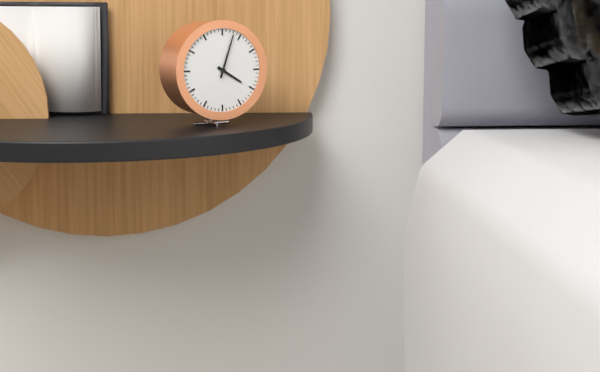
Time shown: 4:03
